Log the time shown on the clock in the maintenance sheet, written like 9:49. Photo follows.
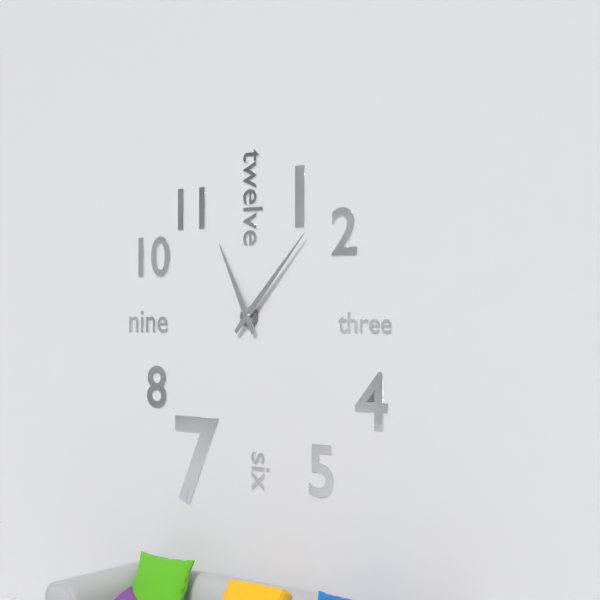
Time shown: 11:07
